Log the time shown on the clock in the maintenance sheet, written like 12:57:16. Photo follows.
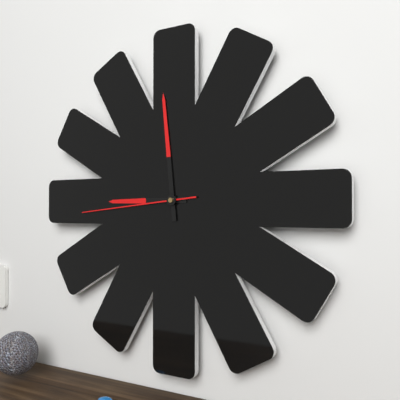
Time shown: 8:59:44
